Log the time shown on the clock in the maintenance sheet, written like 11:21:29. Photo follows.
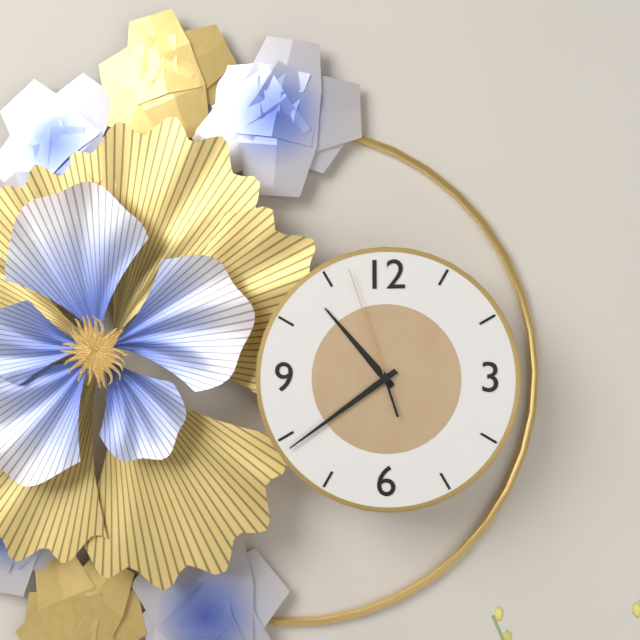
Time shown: 10:39:57
